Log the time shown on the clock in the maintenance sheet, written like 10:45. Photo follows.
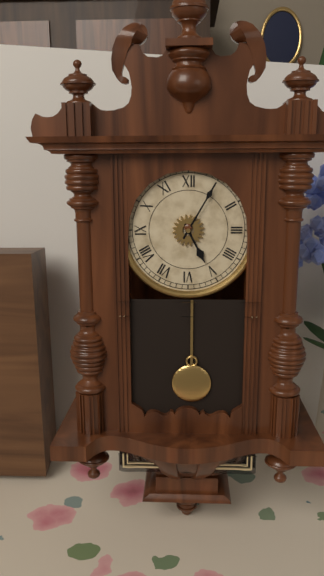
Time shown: 5:05
